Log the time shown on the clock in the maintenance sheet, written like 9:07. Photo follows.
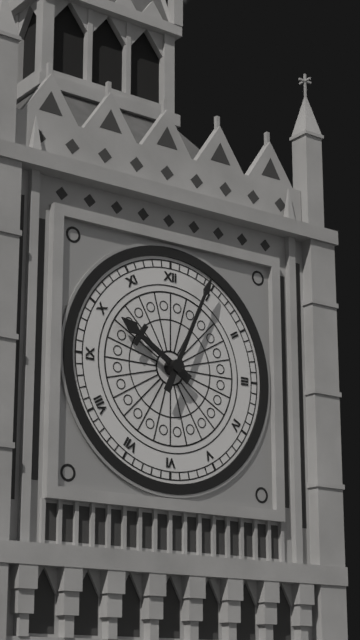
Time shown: 10:04
